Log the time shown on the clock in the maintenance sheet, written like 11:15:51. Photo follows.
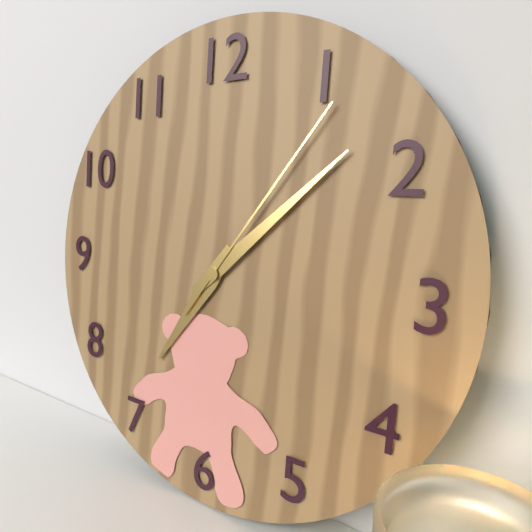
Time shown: 7:08:06
